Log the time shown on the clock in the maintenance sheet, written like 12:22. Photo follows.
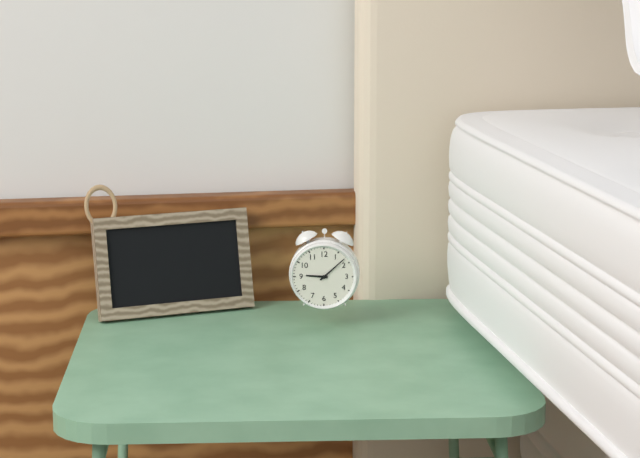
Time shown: 9:08
